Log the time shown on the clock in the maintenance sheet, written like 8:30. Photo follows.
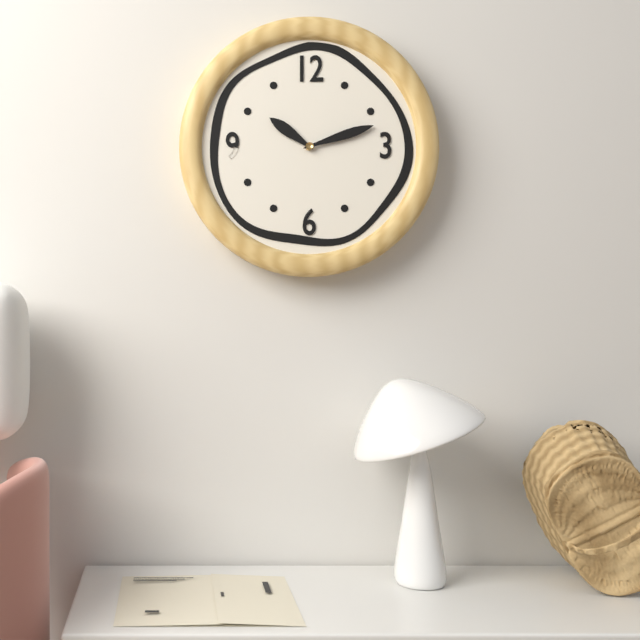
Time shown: 10:12
